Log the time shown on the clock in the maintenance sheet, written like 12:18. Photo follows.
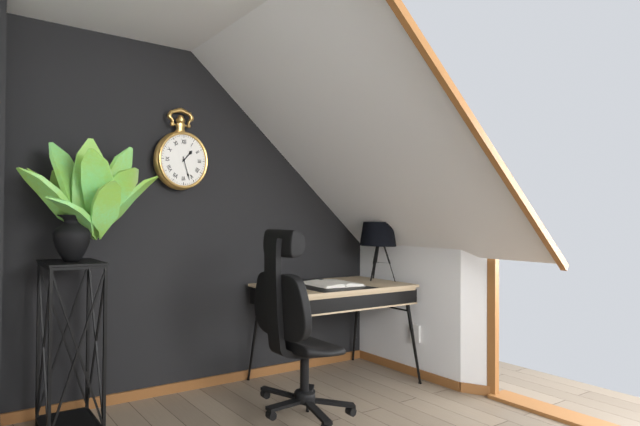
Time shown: 1:27
